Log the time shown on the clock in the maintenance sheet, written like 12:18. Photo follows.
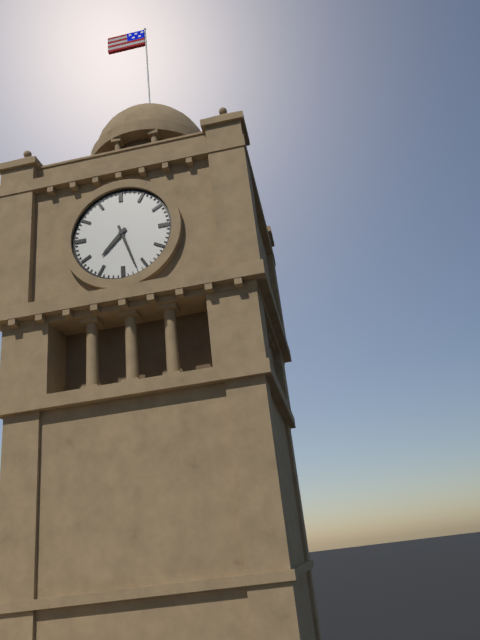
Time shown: 7:27
